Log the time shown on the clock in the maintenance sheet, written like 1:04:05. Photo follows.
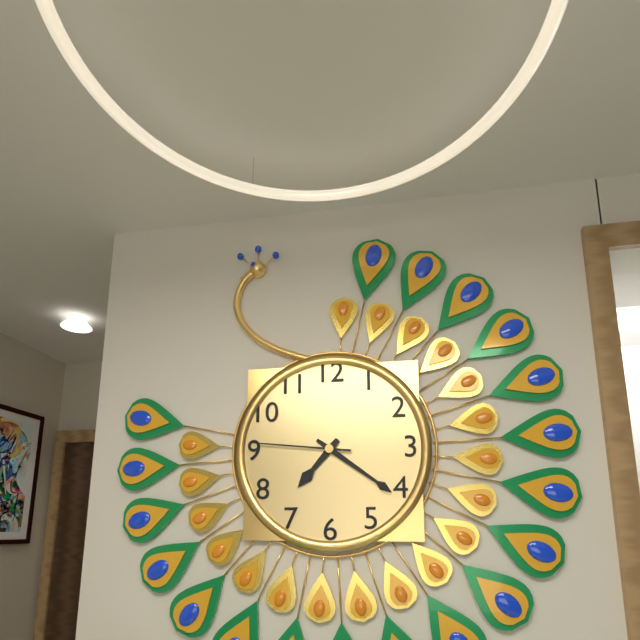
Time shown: 7:21:46
